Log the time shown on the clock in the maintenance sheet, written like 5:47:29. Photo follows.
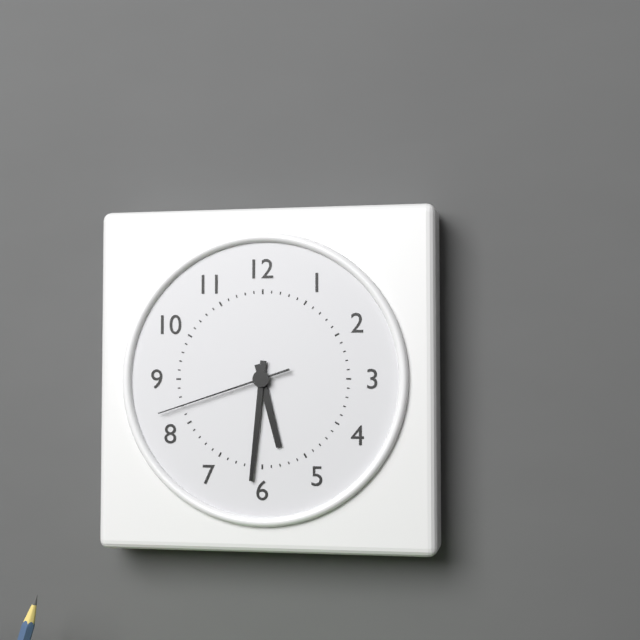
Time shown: 5:31:42
